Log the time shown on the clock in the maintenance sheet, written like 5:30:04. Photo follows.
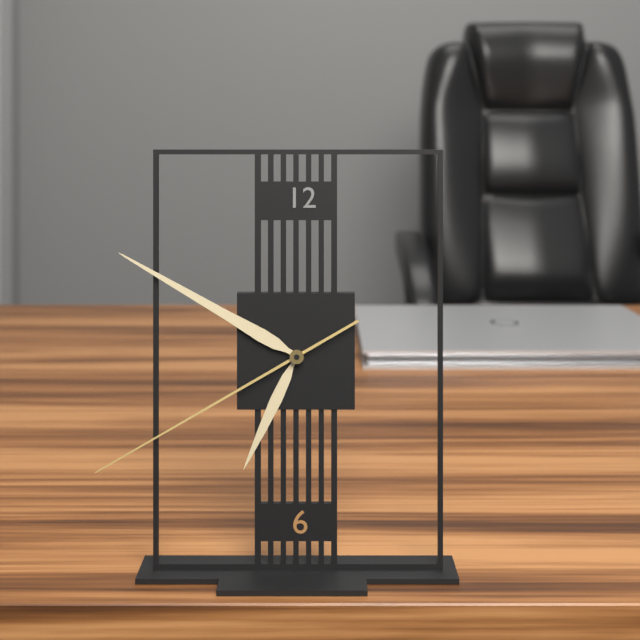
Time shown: 6:50:40
